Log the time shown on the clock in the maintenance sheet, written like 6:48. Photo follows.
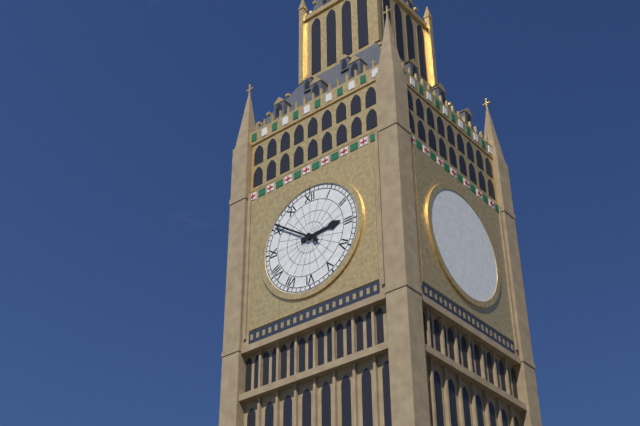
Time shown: 2:51
